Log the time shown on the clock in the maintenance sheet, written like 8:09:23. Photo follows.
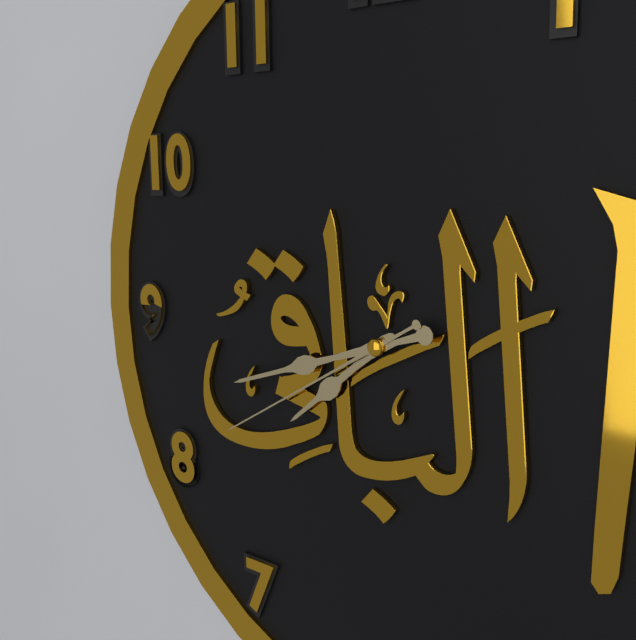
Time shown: 7:42:40
